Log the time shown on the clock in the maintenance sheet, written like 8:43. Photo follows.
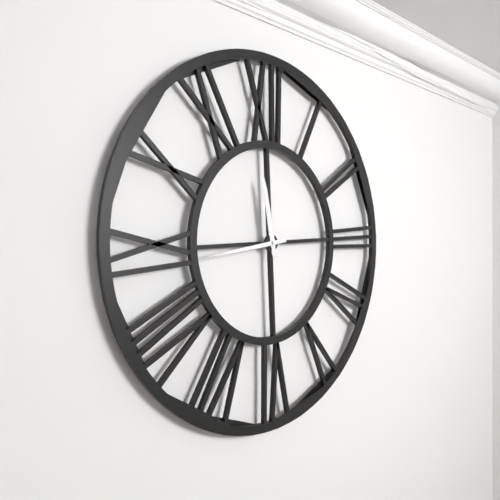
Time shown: 11:44
